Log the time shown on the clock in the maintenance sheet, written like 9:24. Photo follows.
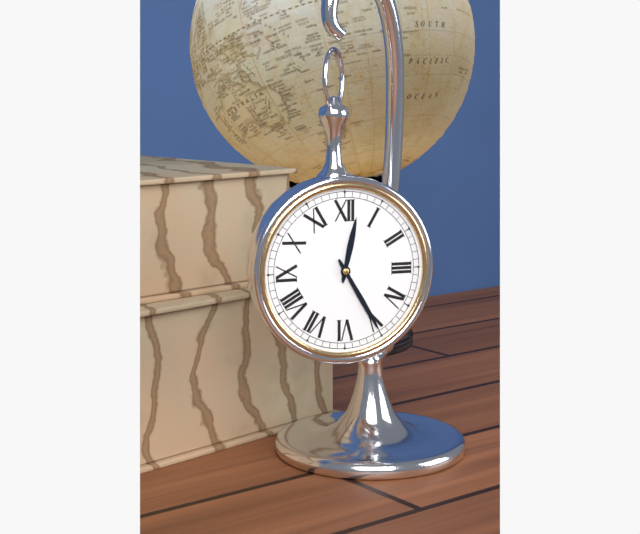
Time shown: 12:25
